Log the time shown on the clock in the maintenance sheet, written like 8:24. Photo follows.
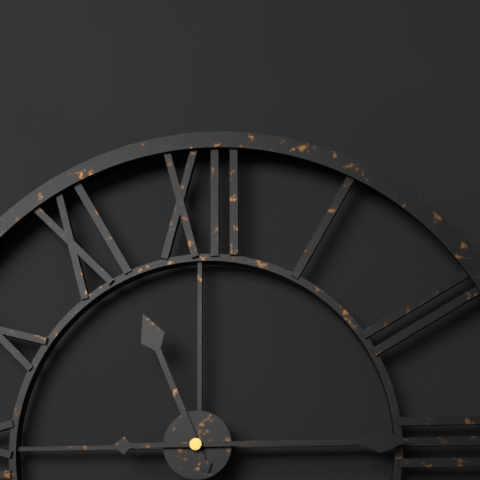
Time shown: 11:15
